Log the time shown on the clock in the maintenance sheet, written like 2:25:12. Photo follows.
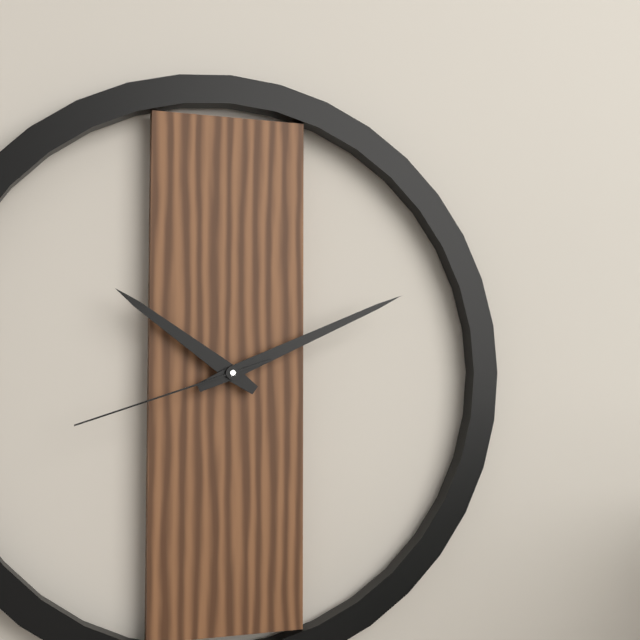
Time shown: 10:11:42
